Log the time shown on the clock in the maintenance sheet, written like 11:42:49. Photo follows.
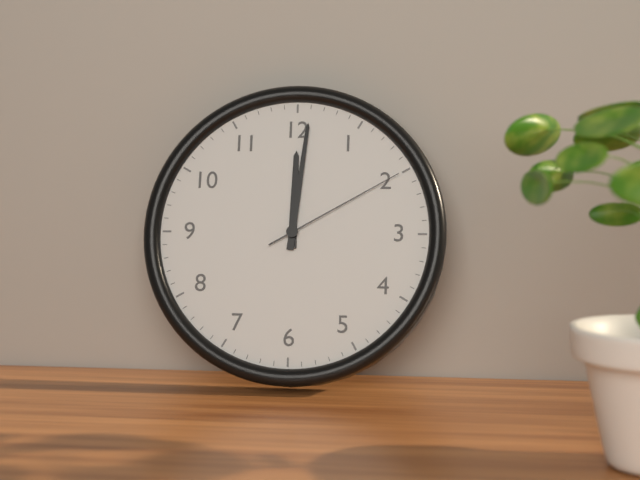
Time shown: 12:01:10
